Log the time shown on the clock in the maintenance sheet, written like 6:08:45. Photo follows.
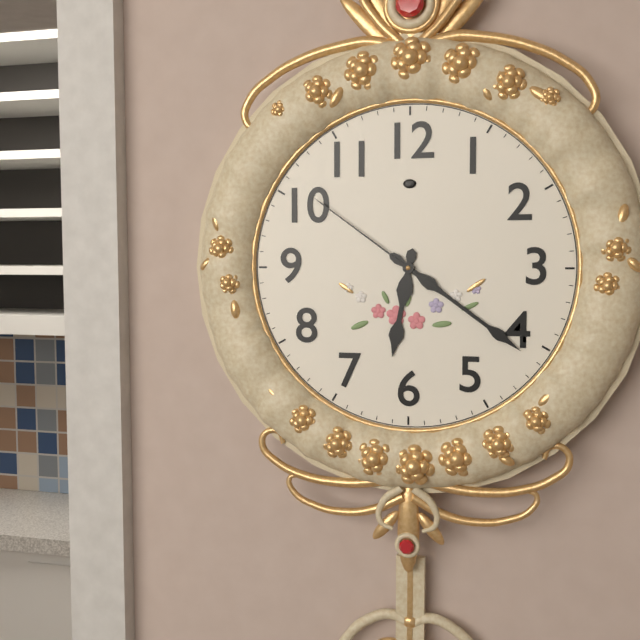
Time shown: 6:21:51
